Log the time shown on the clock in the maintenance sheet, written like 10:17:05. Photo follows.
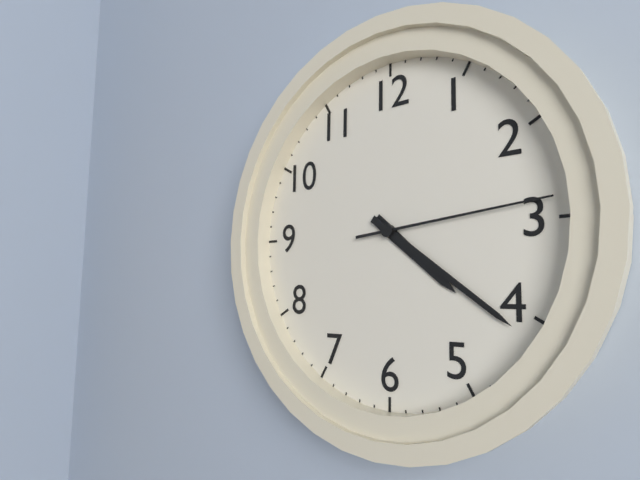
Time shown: 4:21:14
